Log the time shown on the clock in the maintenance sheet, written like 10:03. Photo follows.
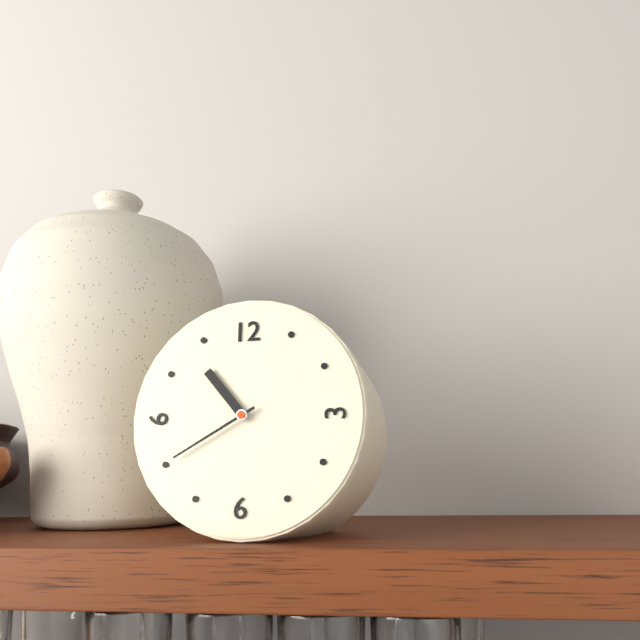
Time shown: 10:40
